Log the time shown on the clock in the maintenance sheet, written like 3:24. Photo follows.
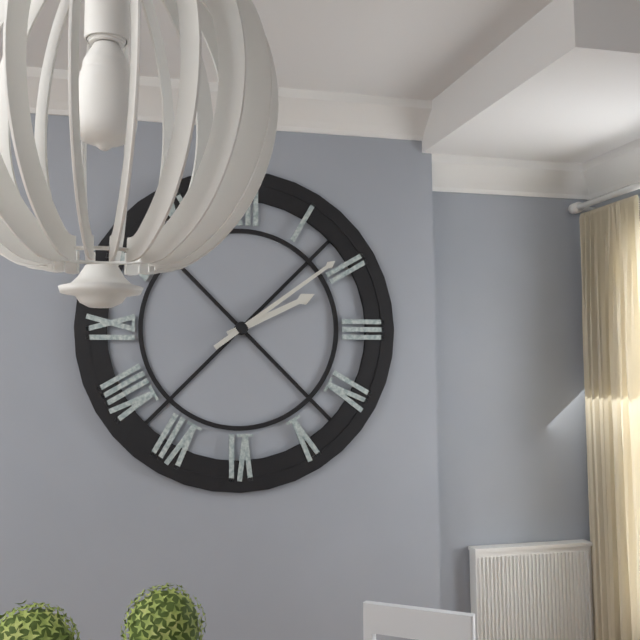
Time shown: 2:09
